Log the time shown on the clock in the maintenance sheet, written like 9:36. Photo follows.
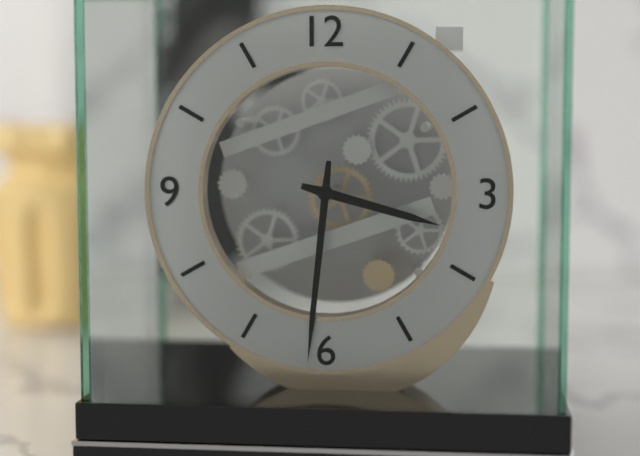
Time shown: 3:31
